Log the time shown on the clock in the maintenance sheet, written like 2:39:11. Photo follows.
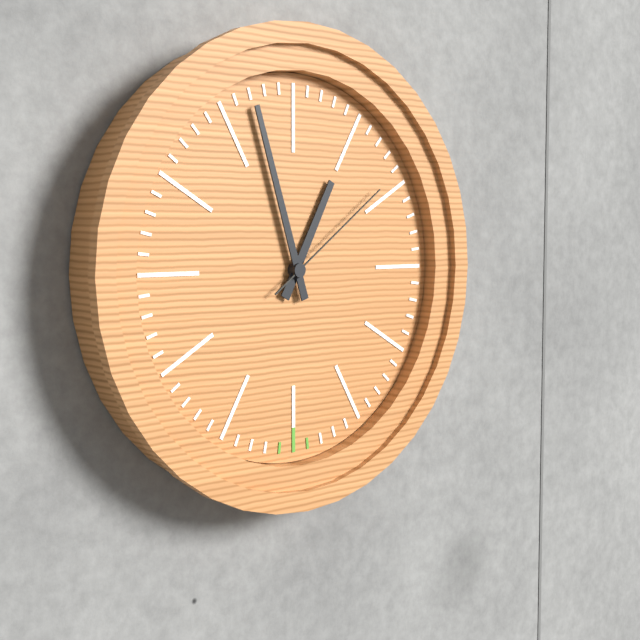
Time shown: 12:57:09
